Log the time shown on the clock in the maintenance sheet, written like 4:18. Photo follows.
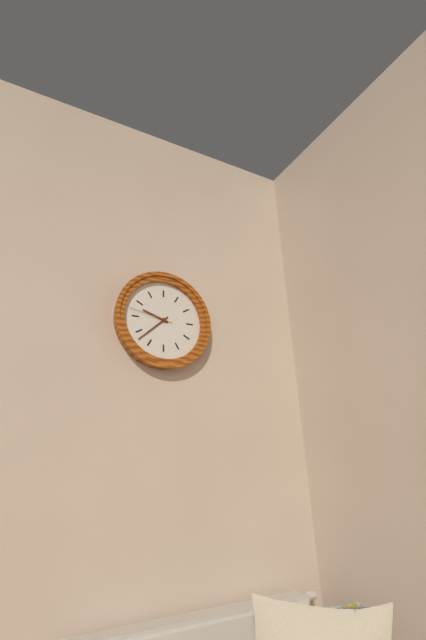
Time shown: 9:38
